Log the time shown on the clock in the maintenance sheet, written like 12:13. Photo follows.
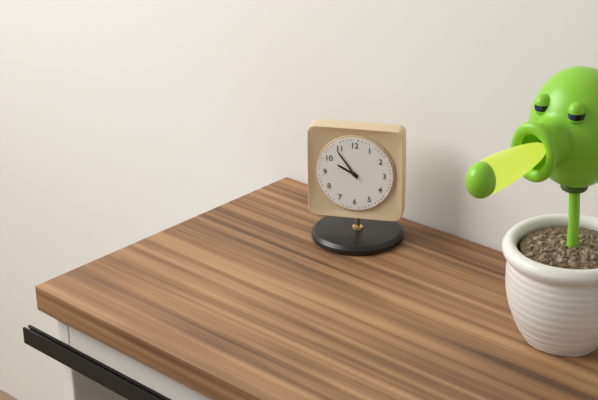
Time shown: 9:54
